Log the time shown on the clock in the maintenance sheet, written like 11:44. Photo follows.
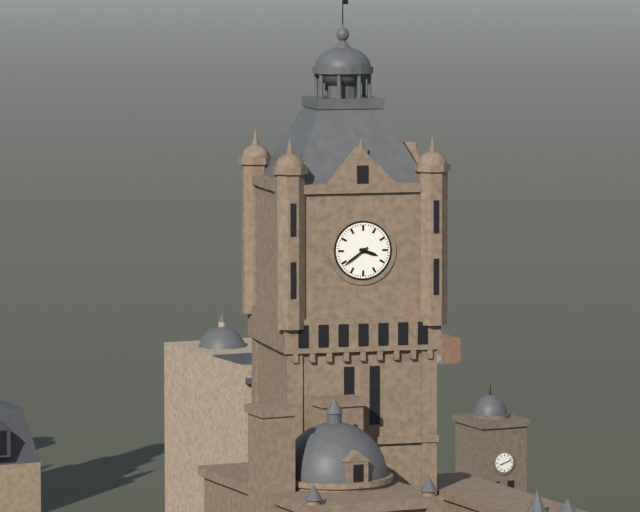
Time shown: 3:39
